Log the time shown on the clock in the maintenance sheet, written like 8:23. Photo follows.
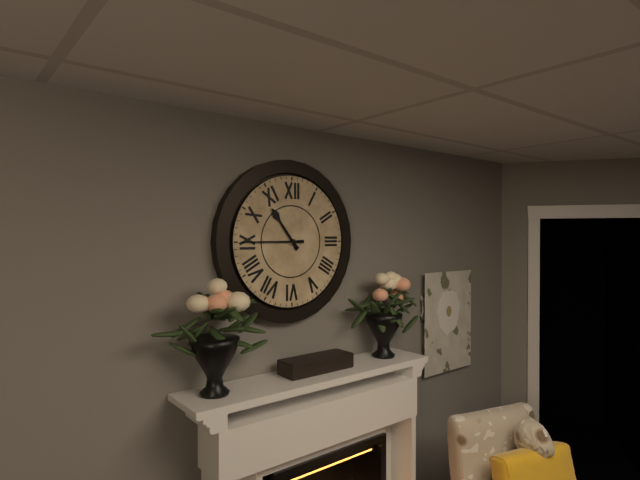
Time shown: 10:45
